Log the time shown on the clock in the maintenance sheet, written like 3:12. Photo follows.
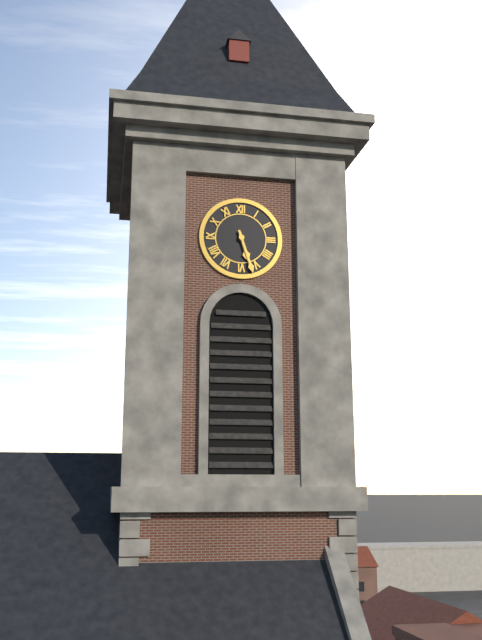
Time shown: 5:27
